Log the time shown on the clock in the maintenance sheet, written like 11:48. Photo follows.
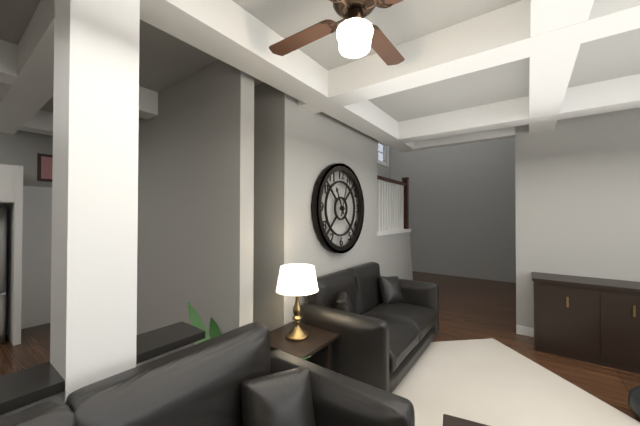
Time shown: 11:03
